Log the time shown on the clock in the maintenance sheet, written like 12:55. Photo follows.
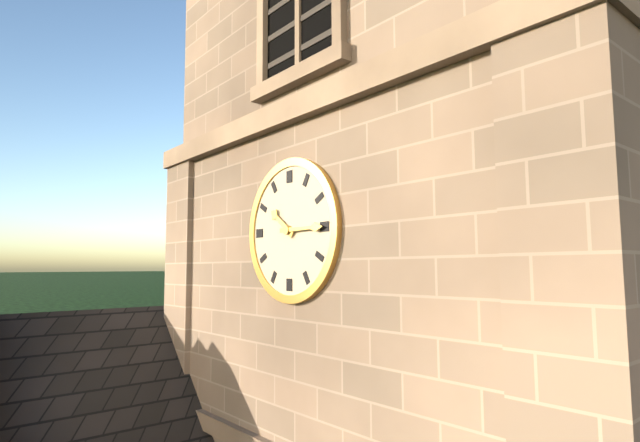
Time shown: 10:15
